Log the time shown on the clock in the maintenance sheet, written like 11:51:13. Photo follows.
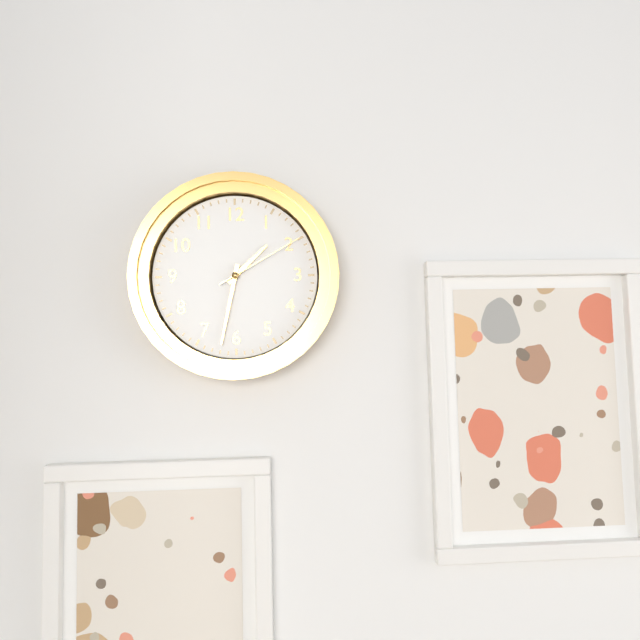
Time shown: 1:32:10
